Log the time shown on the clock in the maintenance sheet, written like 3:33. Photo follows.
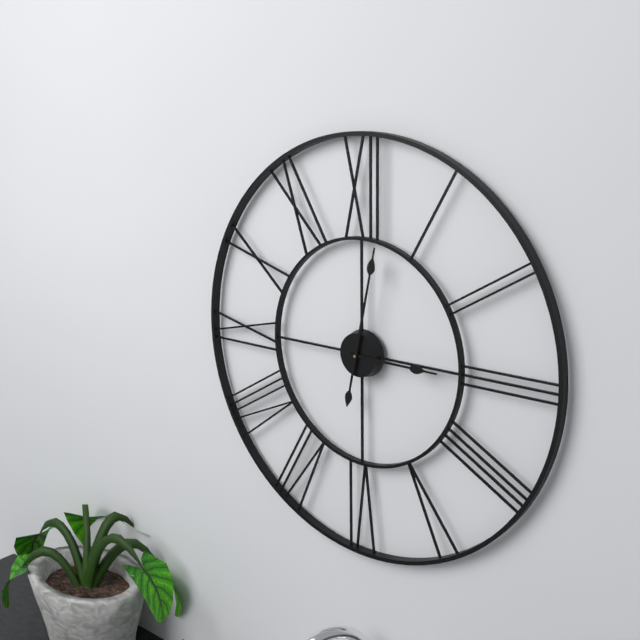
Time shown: 3:02
